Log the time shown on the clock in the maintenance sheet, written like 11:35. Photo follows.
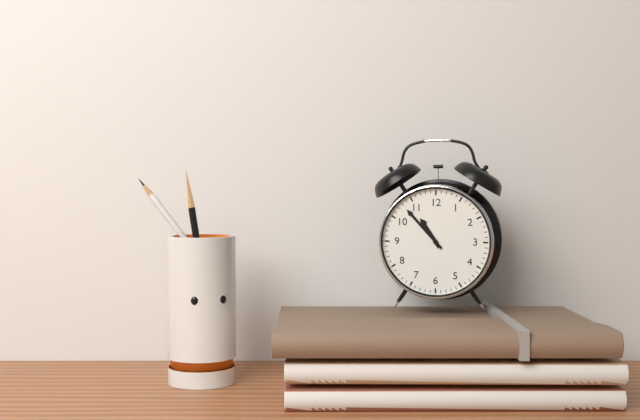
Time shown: 10:53
